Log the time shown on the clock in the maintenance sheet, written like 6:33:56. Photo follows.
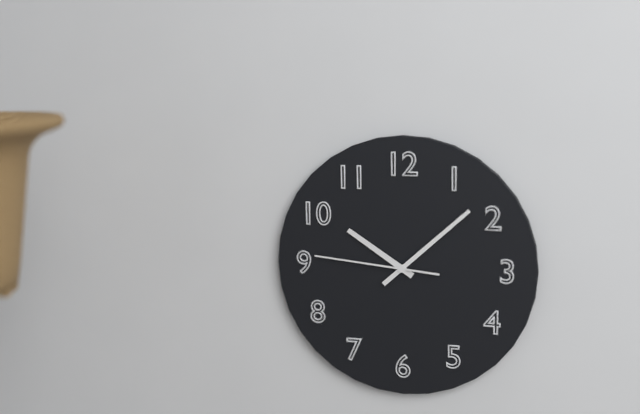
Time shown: 10:08:46
